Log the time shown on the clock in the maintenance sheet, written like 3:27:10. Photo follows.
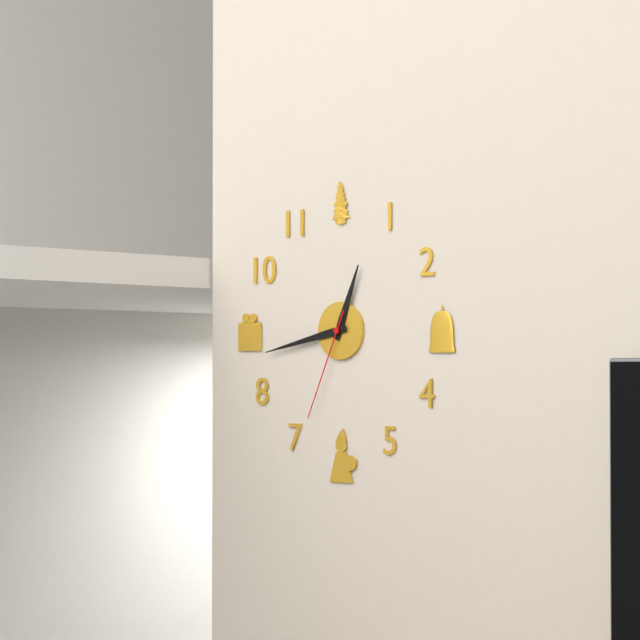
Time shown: 12:43:34
